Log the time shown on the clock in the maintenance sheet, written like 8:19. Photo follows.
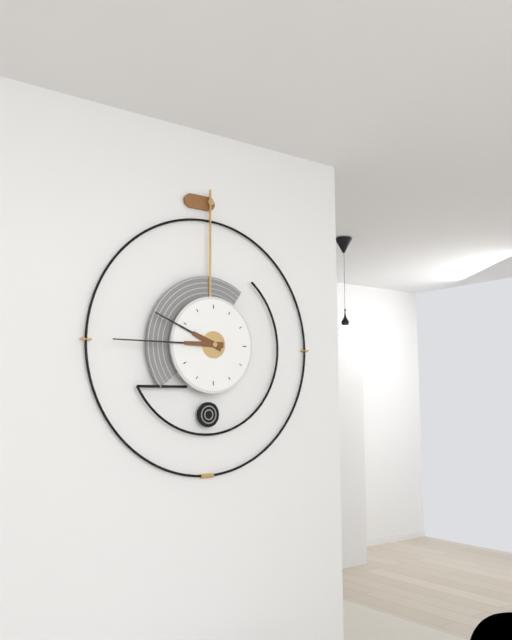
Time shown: 9:45
